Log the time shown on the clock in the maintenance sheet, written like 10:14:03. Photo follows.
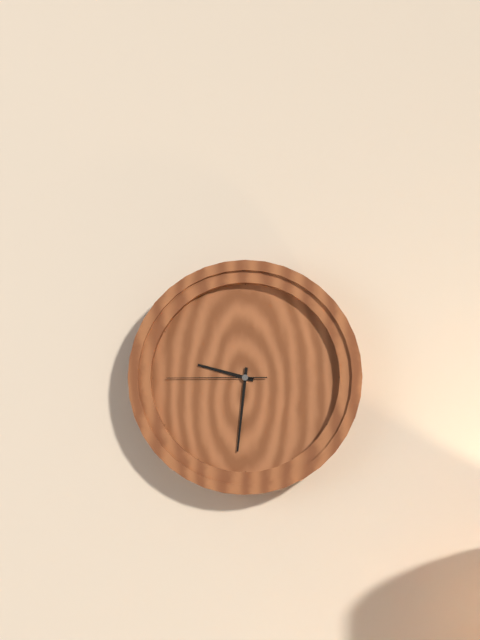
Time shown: 9:31:45
